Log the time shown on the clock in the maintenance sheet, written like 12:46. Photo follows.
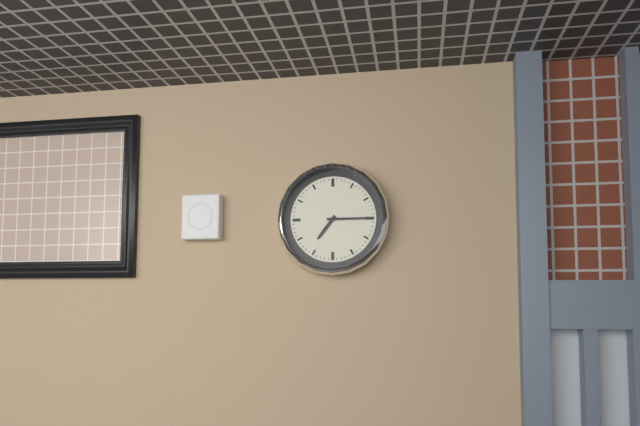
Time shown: 7:15
